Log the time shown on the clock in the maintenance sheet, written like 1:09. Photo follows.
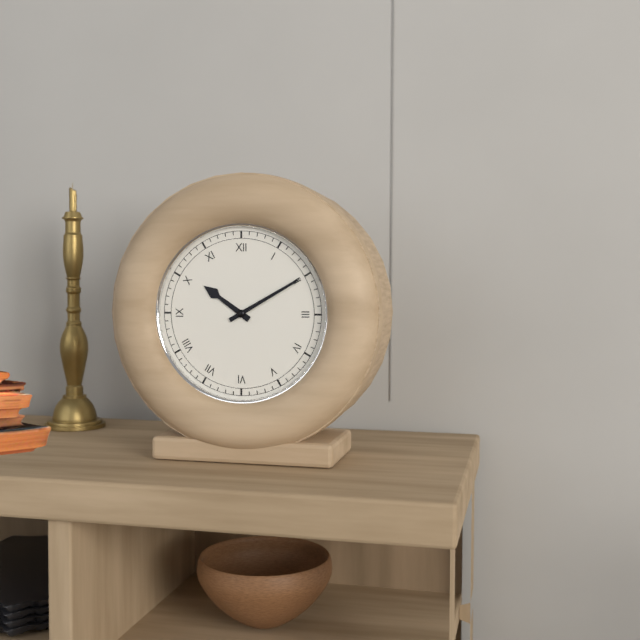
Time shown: 10:10
